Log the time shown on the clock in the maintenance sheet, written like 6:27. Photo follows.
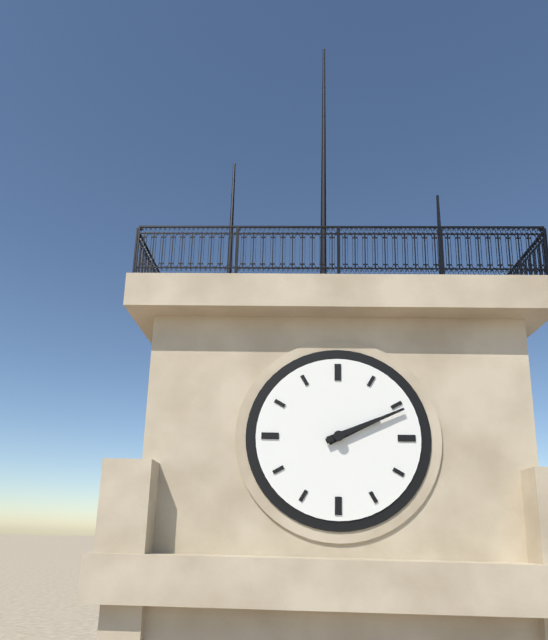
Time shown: 2:11
